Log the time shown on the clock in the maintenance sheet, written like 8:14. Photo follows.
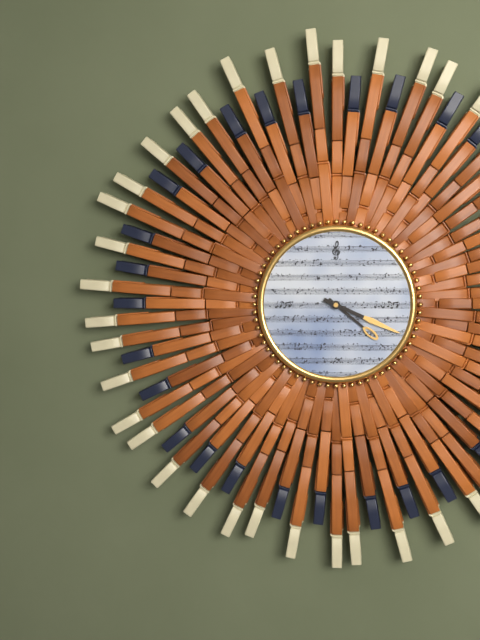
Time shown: 4:19
